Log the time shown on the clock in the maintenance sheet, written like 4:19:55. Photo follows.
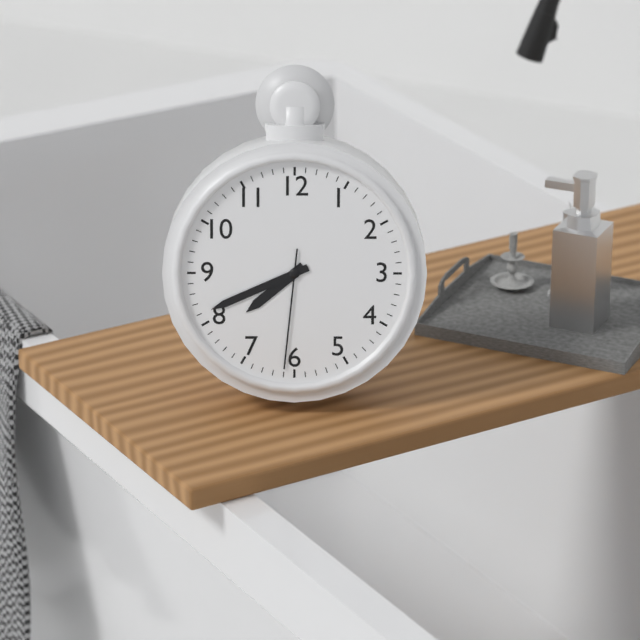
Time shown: 7:41:31
